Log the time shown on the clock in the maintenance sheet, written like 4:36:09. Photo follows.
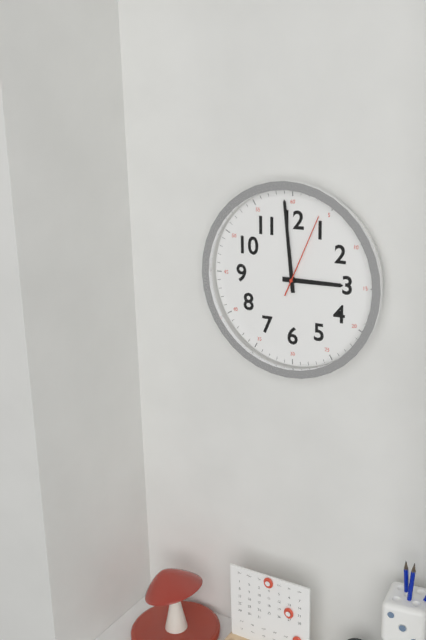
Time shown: 2:59:04
